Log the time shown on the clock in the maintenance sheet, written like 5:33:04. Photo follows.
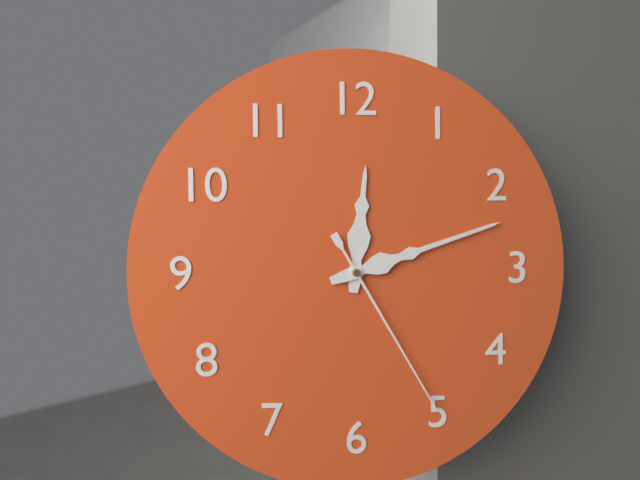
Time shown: 12:12:25
